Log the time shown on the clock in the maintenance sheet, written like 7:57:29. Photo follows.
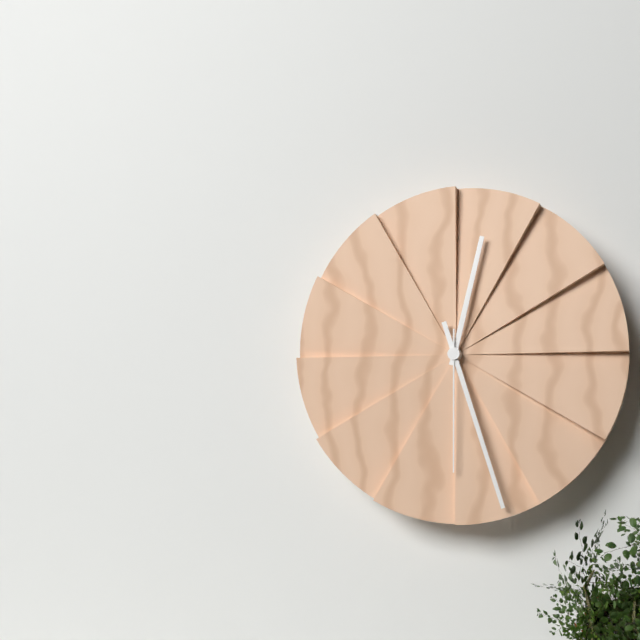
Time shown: 12:27:30
